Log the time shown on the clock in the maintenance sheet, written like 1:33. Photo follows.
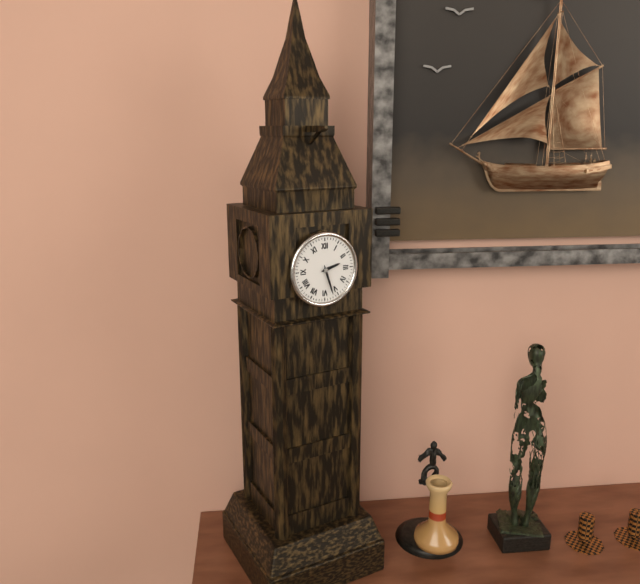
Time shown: 2:27
